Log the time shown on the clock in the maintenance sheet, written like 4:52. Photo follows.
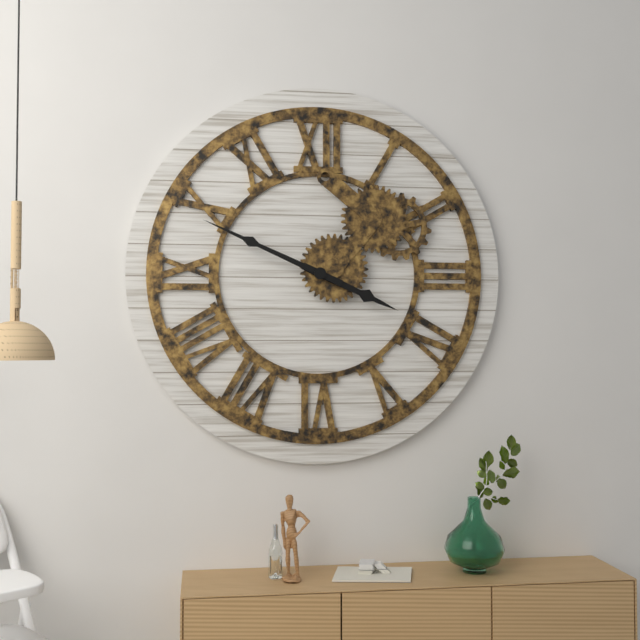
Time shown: 3:49
